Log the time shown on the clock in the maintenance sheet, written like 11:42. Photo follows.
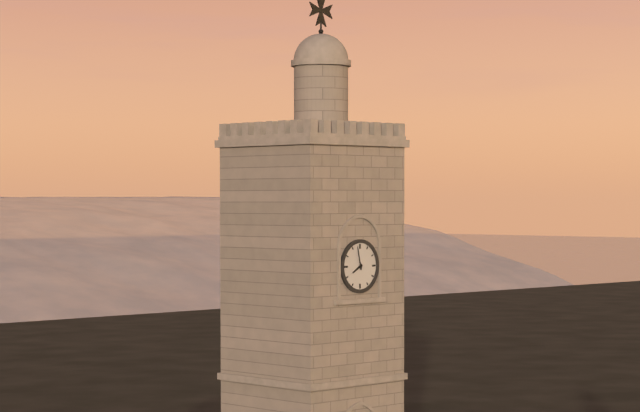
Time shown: 7:58
